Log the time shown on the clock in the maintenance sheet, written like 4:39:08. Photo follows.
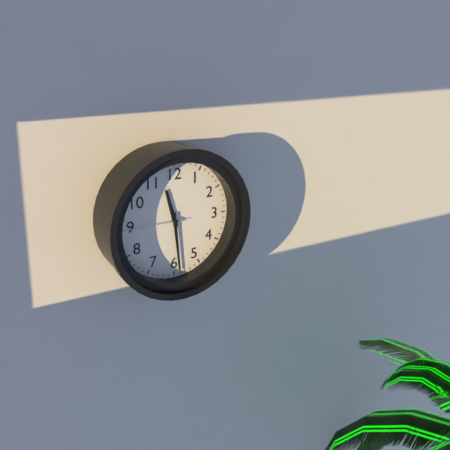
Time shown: 11:29:45
